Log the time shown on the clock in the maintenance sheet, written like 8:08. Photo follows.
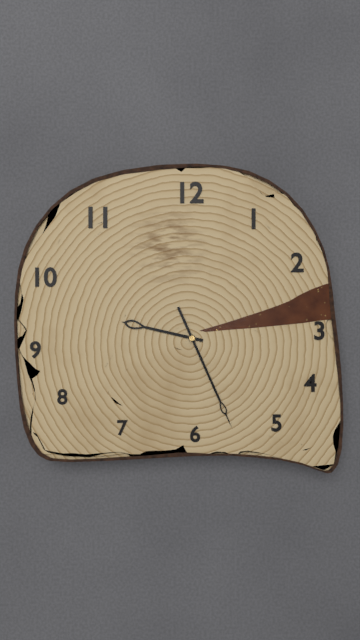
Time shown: 9:26
